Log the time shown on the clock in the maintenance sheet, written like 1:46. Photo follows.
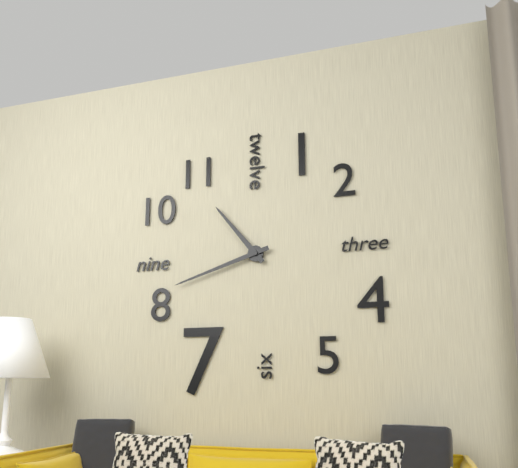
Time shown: 10:42
